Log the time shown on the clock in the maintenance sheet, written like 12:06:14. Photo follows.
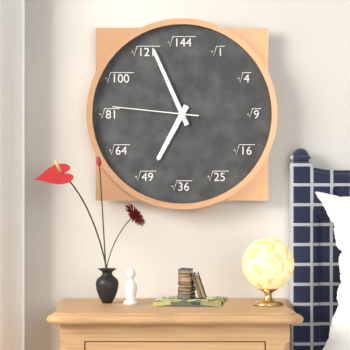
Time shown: 6:56:46
